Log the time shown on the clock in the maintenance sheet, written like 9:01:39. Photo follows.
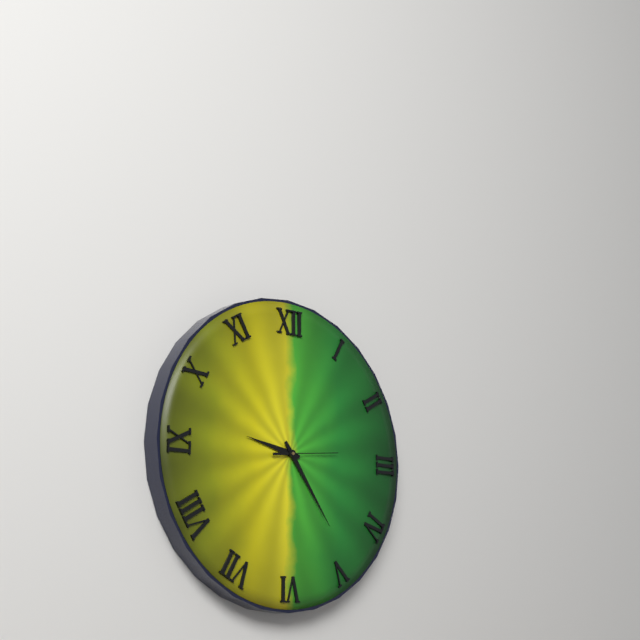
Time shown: 9:24:14
